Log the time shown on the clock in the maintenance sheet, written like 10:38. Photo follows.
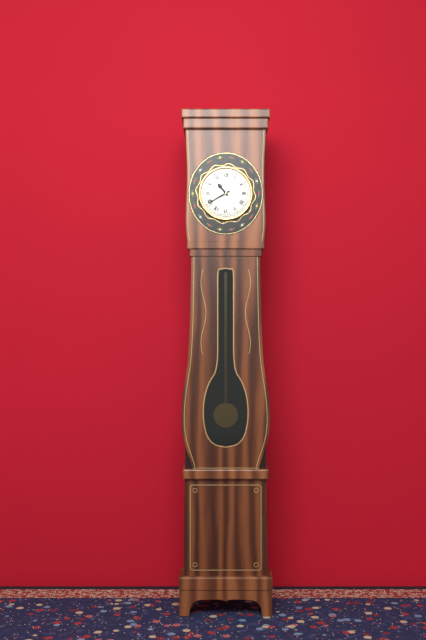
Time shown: 10:40
